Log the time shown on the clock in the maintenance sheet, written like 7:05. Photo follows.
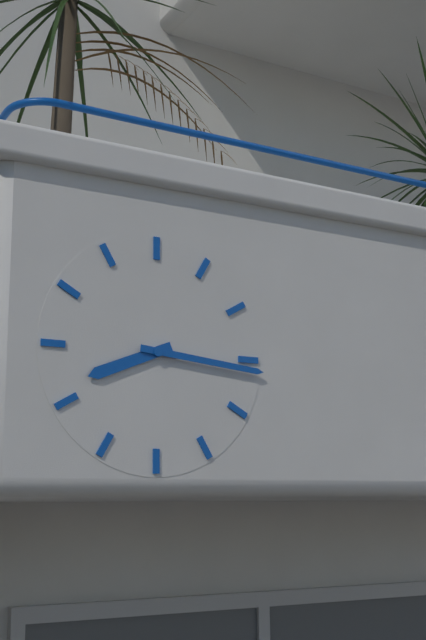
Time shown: 8:16
